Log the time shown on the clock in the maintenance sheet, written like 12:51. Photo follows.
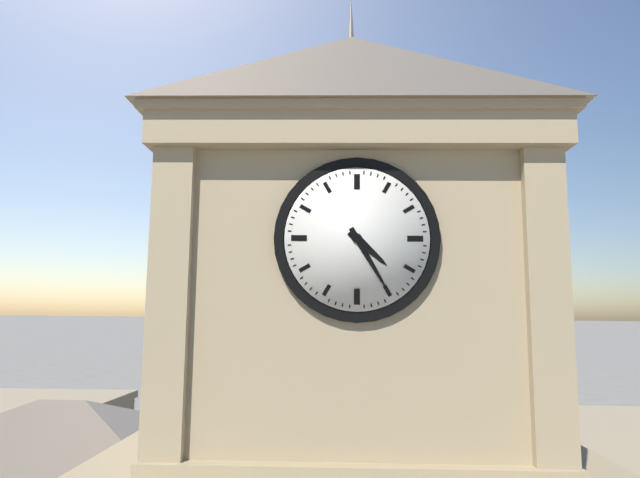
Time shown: 4:25
